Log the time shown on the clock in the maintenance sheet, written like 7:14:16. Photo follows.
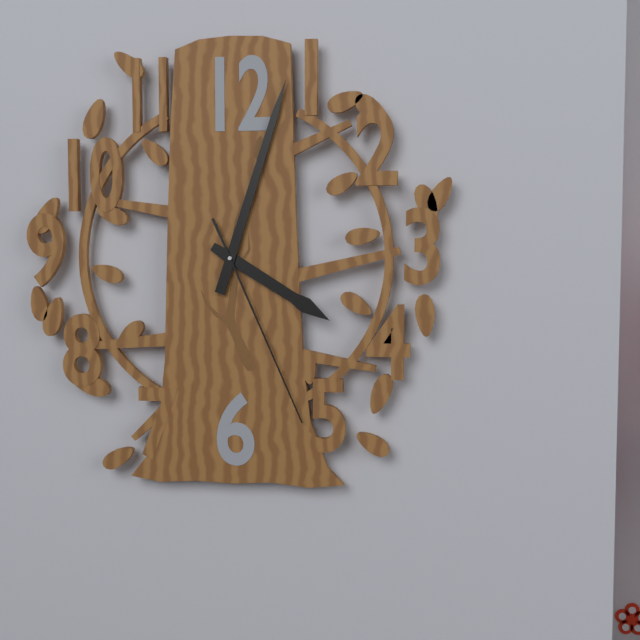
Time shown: 4:03:26
